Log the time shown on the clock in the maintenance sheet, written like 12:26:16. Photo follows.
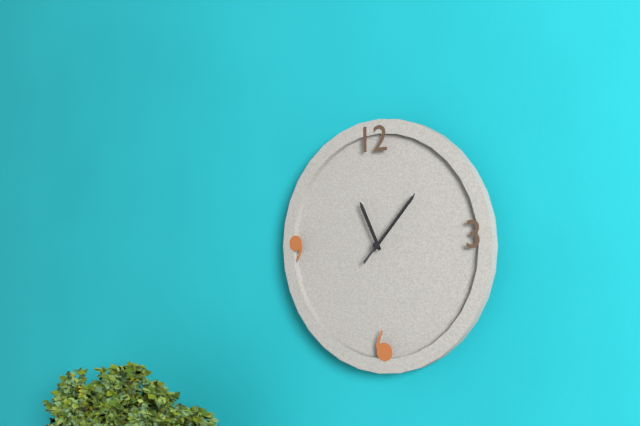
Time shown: 11:07:07
